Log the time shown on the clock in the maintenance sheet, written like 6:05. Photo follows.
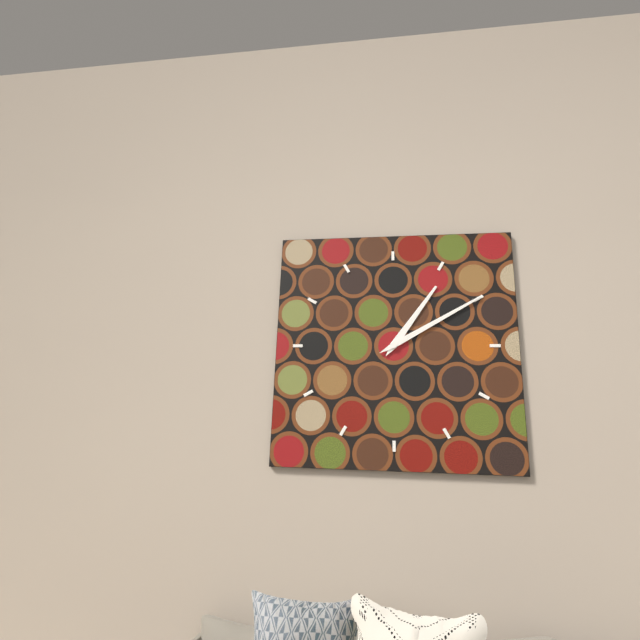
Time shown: 1:10
